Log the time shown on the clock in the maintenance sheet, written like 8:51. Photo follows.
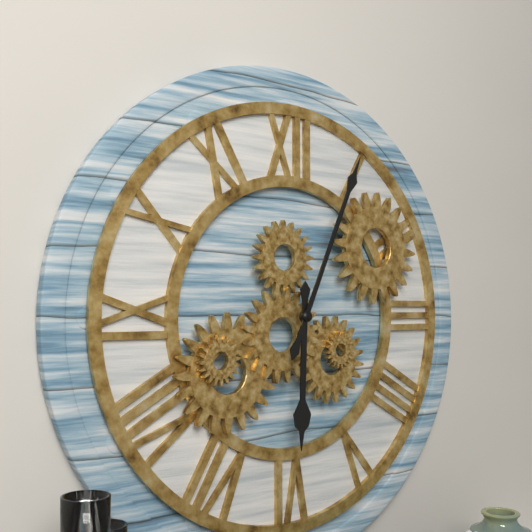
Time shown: 6:04
